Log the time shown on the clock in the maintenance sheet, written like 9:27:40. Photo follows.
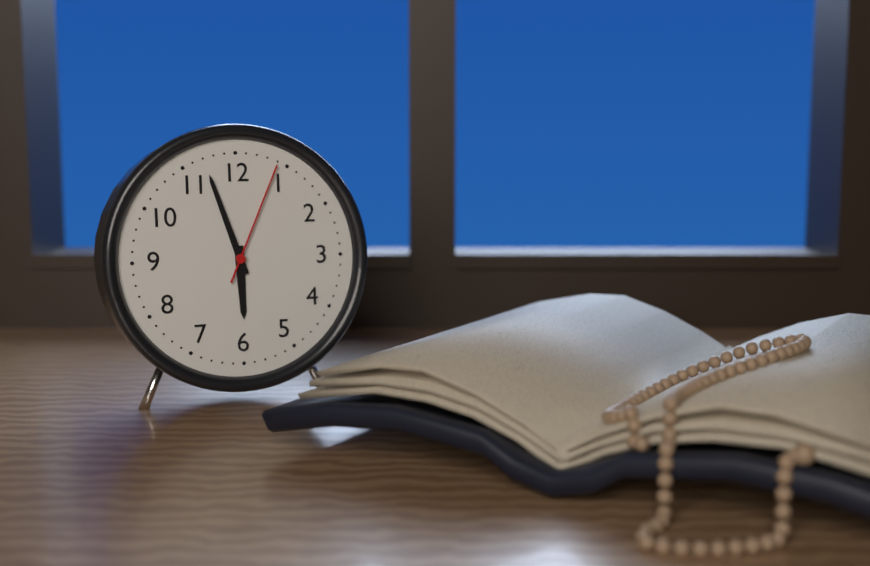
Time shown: 5:57:04
